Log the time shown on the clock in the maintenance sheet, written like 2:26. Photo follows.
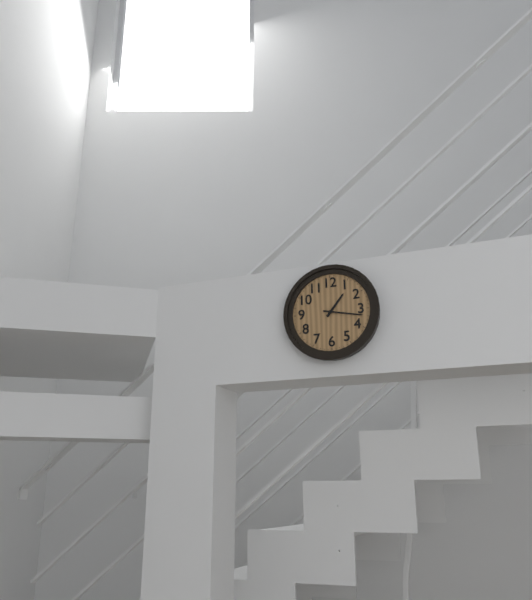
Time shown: 1:17
